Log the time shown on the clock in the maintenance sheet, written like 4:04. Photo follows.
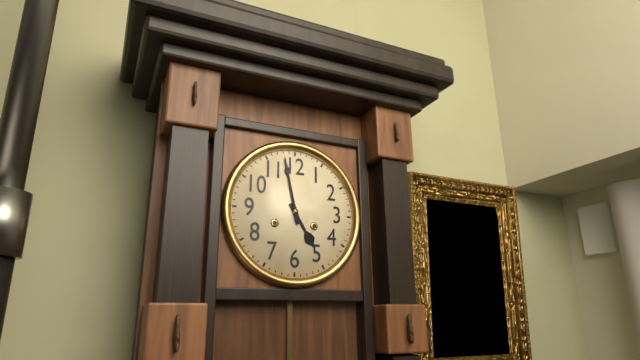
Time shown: 4:58
